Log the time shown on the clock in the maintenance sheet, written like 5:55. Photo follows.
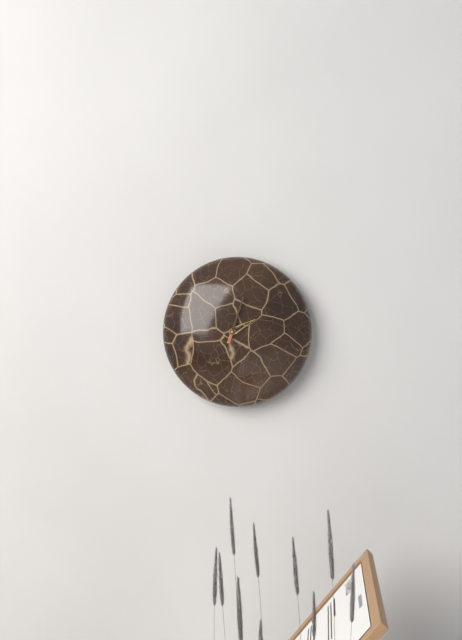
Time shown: 2:03
